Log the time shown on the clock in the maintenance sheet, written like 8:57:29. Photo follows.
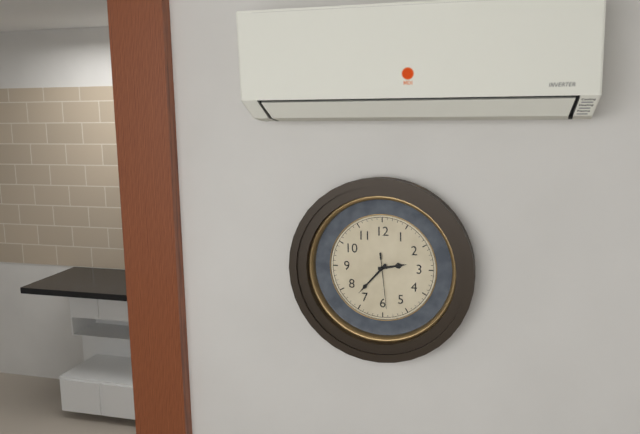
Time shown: 2:37:29
